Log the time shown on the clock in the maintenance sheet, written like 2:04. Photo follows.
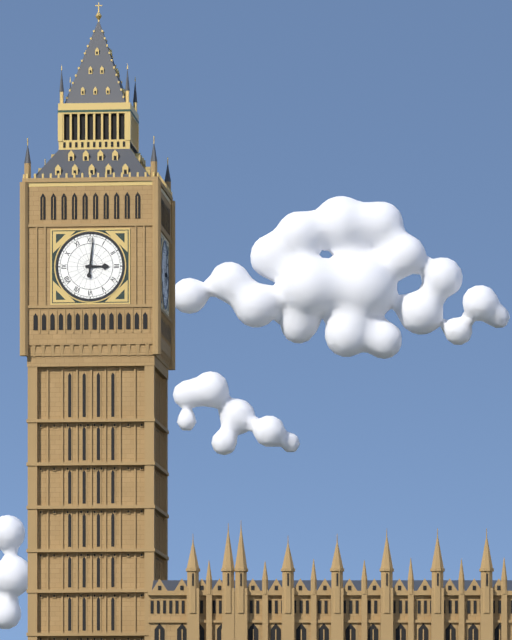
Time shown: 3:01
